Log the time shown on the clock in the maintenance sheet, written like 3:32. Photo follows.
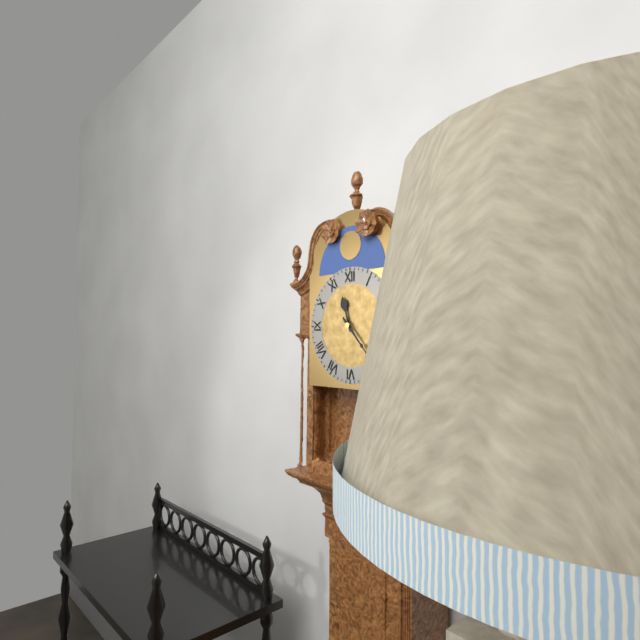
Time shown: 11:23
